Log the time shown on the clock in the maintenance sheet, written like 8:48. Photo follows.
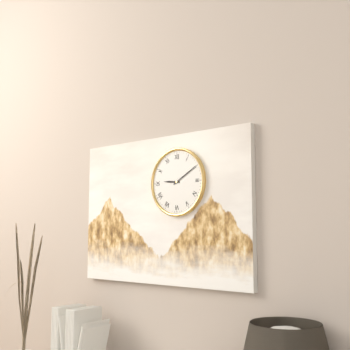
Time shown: 9:10
